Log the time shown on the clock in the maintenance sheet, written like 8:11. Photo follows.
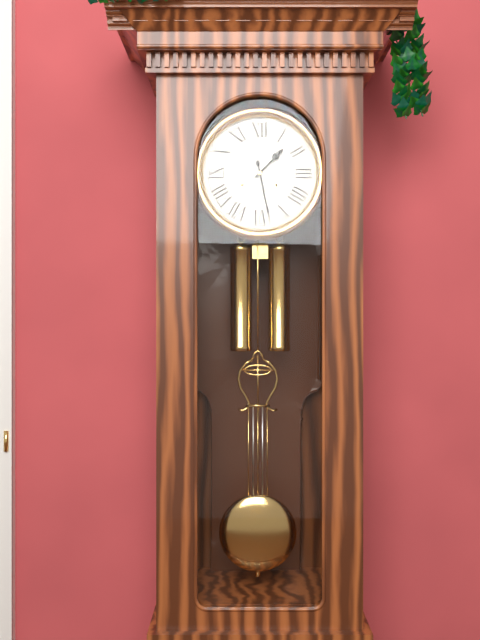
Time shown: 1:28
